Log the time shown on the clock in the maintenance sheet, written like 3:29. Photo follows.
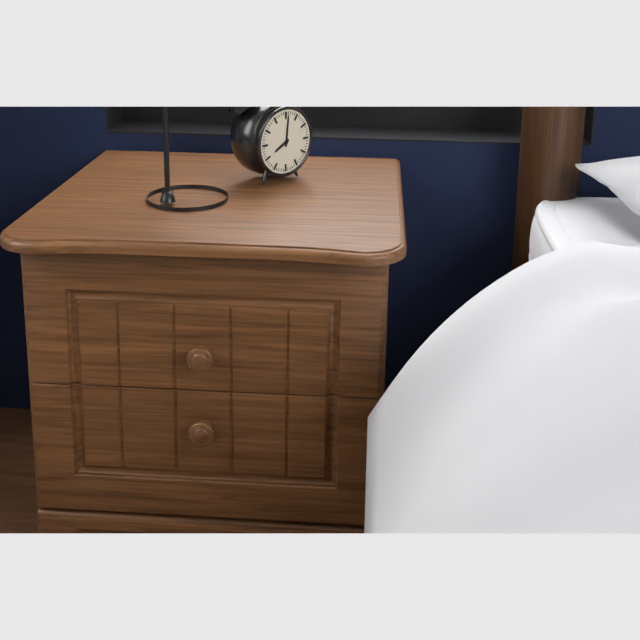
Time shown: 8:01
